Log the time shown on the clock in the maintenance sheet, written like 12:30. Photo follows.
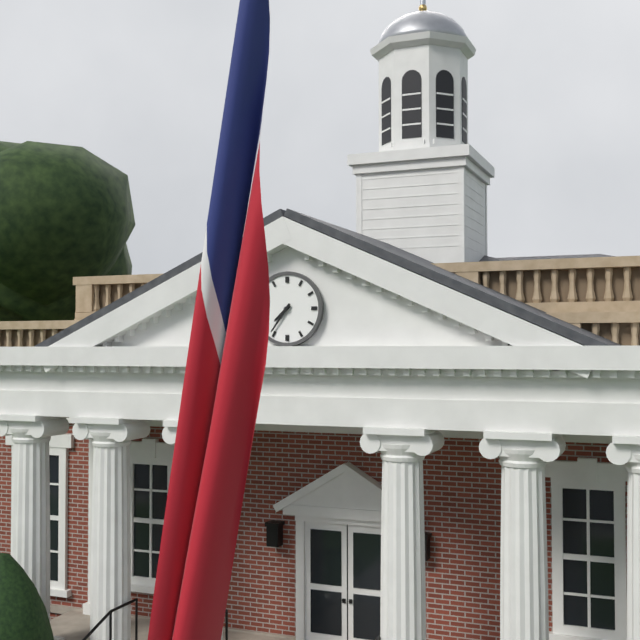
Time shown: 7:36
